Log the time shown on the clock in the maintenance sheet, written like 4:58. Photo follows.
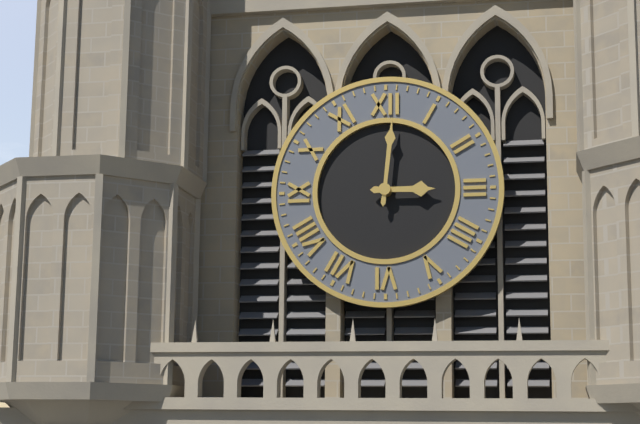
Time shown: 3:01
